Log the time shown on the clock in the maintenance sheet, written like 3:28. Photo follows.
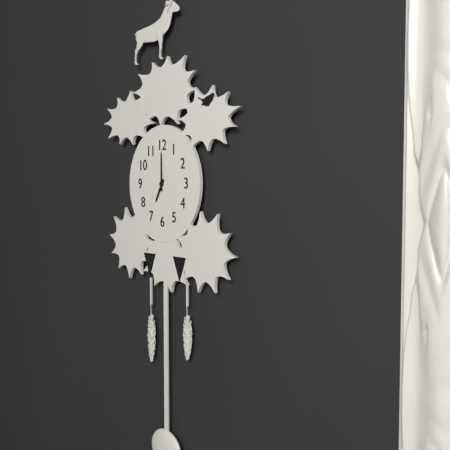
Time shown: 7:00
